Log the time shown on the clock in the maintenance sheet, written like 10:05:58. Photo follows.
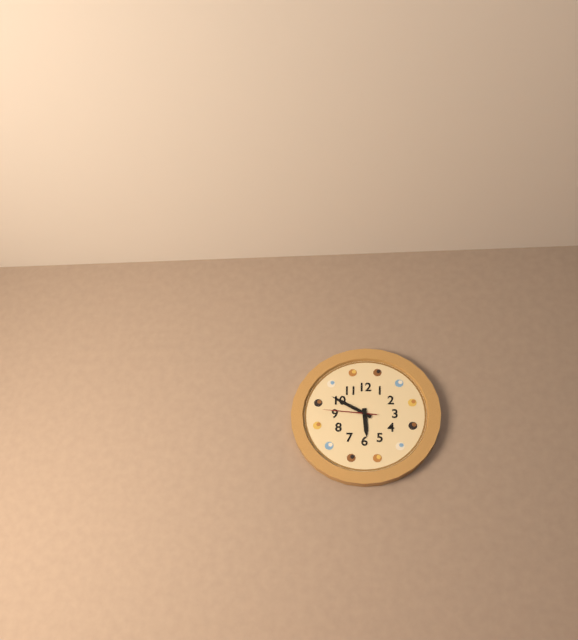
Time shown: 5:50:46
